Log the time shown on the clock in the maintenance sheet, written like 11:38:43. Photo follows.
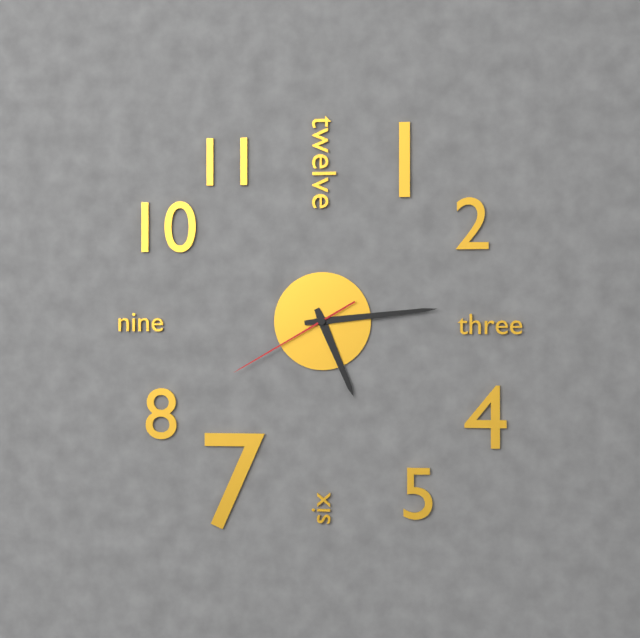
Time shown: 5:14:40
